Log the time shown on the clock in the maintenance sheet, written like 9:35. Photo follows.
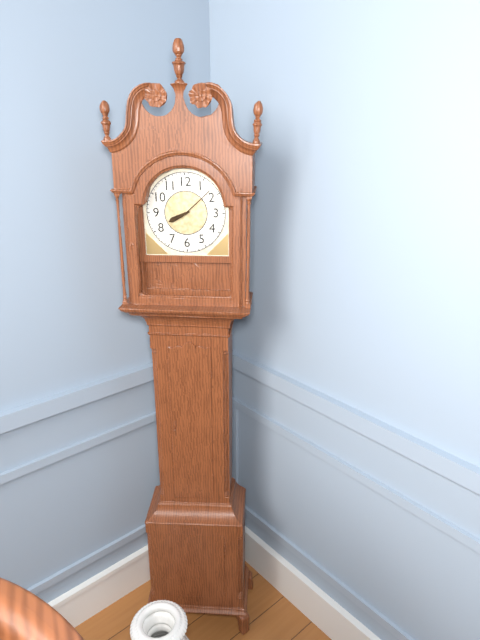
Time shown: 8:08
